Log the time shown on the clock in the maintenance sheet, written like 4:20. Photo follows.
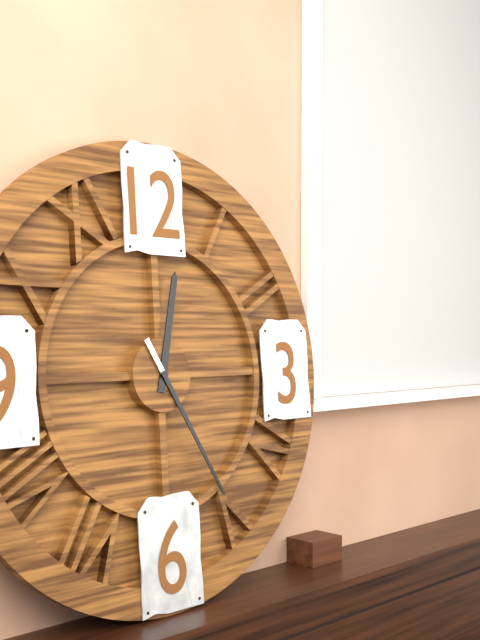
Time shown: 12:25
